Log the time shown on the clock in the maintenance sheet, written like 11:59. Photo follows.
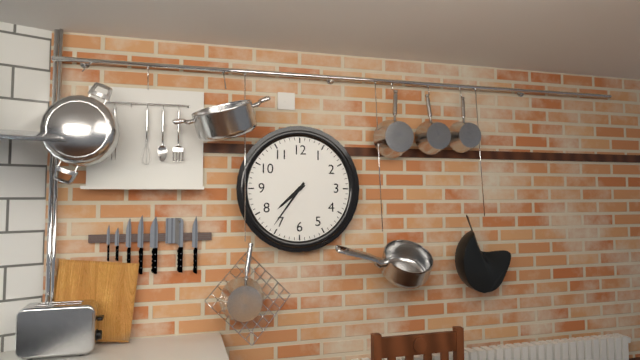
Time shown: 7:36
